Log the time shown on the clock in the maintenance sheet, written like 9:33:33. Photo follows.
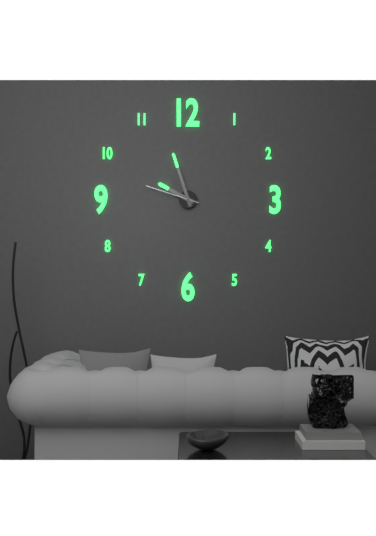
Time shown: 9:57:48
